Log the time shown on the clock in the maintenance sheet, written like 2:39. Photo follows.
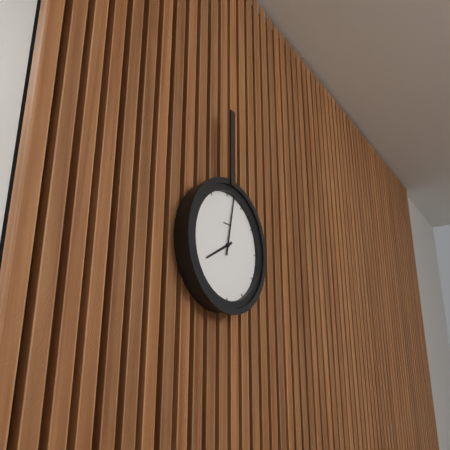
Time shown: 8:02
